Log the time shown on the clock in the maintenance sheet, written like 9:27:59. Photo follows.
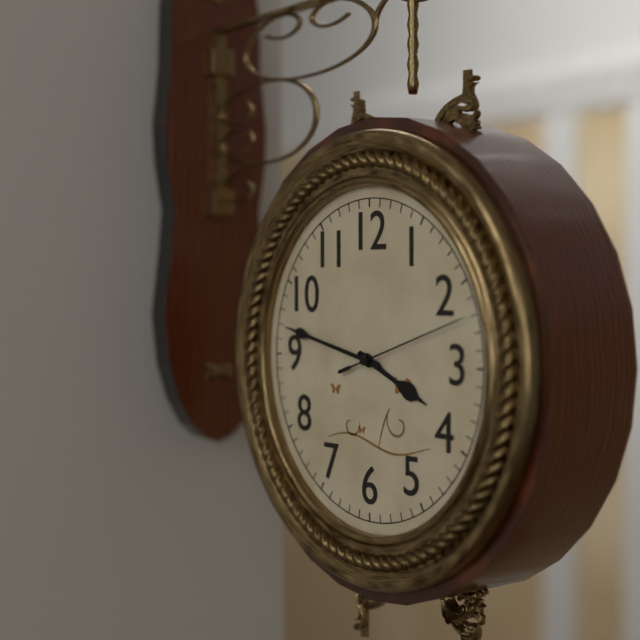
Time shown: 3:47:12
